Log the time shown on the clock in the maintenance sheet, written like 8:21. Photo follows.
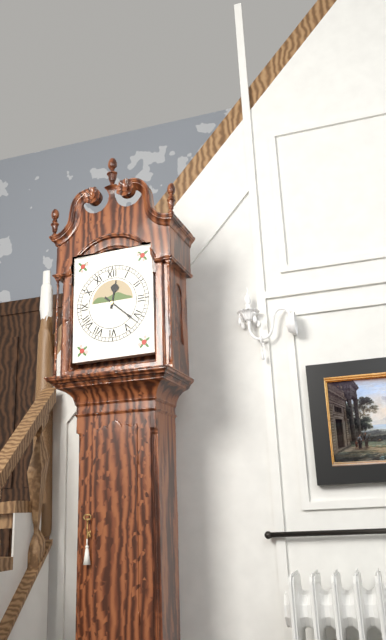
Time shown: 12:22
